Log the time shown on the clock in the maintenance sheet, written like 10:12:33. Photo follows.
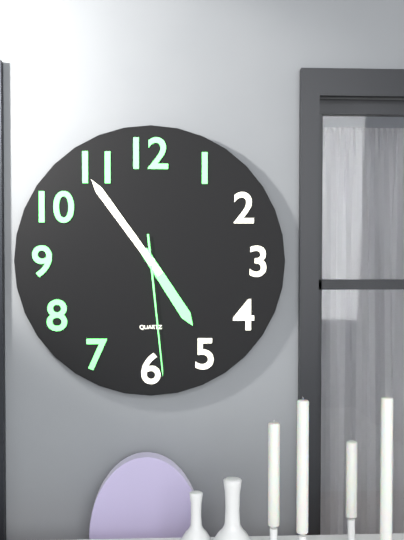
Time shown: 4:54:29
